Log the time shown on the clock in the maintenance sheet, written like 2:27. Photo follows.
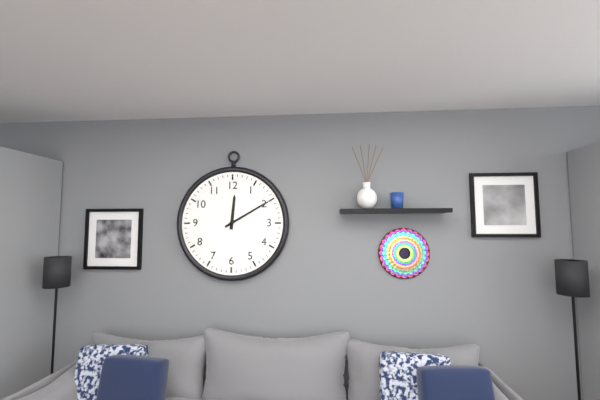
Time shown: 12:10
